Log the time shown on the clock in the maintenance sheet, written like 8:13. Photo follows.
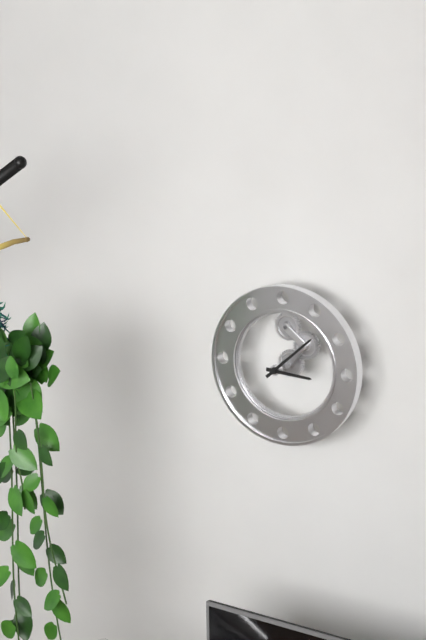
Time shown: 3:08
